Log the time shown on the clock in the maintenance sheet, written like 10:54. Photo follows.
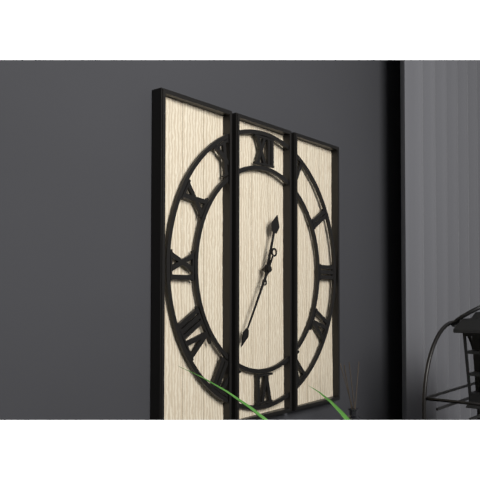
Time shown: 12:35
